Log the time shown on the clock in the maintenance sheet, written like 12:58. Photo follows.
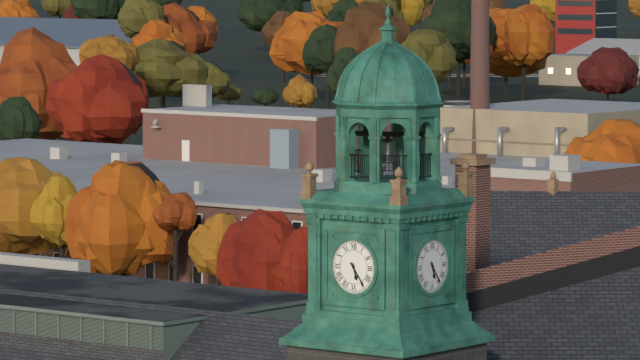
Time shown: 5:24
